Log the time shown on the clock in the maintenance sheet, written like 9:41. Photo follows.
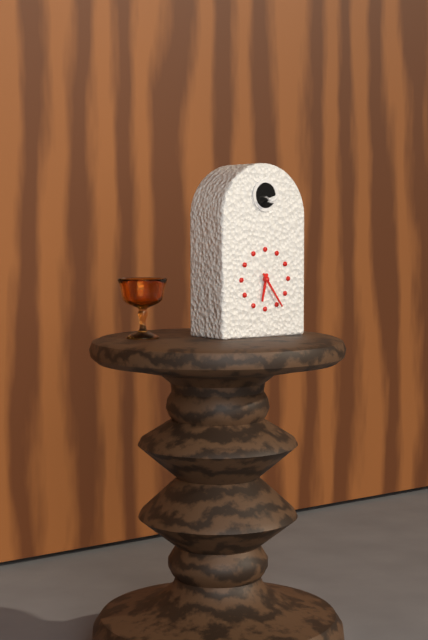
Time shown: 6:24
